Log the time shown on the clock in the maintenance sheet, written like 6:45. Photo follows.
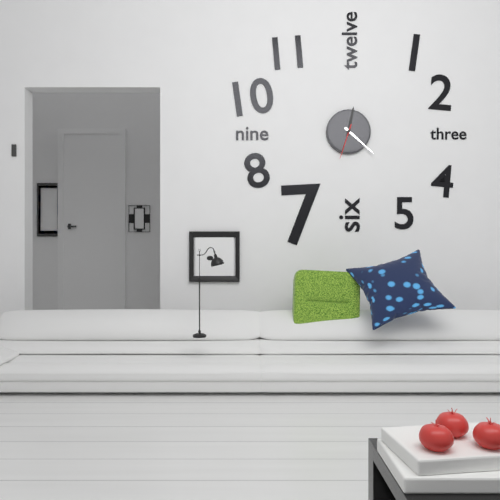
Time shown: 12:22
